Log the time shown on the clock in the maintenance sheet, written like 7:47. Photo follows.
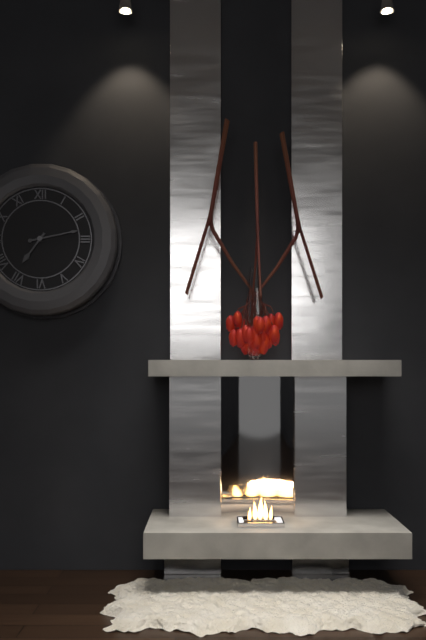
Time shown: 7:13
